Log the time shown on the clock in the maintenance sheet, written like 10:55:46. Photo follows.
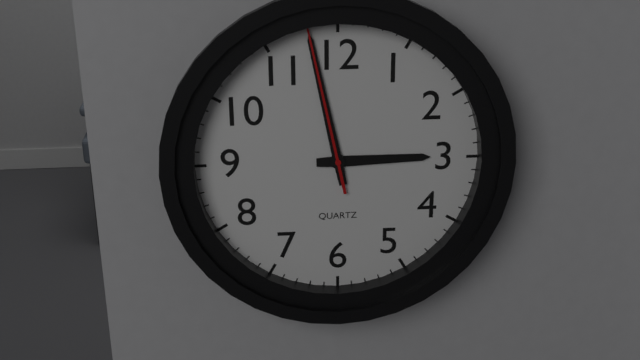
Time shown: 2:58:58
